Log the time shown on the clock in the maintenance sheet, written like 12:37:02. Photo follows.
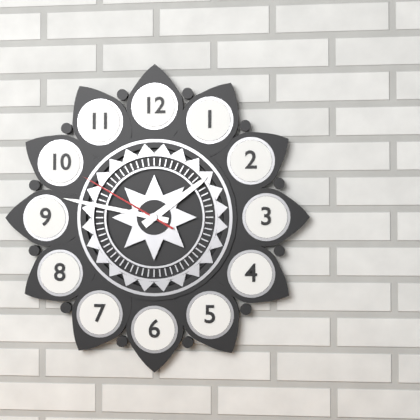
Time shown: 1:47:50
